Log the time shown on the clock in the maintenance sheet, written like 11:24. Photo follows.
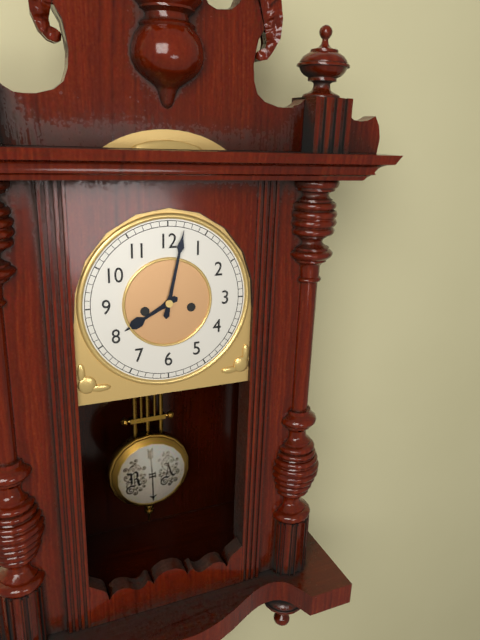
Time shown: 8:02
